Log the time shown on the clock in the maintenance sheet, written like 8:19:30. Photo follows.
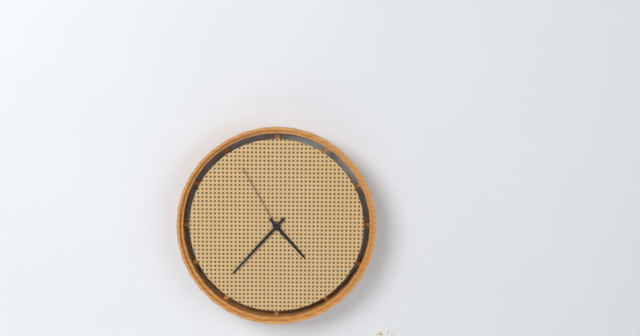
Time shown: 4:37:55
